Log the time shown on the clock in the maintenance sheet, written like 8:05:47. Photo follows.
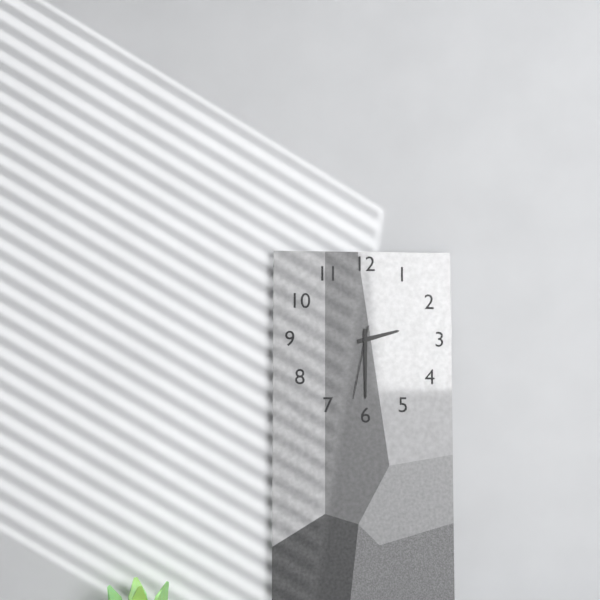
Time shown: 2:30:32
